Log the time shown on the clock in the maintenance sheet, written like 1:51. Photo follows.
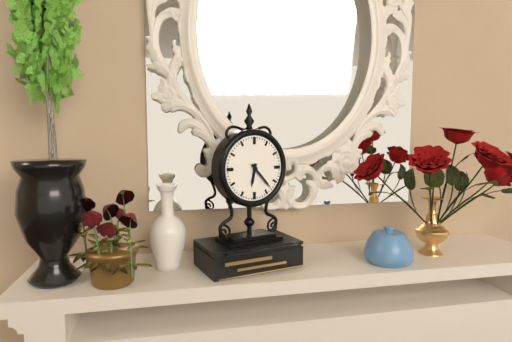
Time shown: 6:23
